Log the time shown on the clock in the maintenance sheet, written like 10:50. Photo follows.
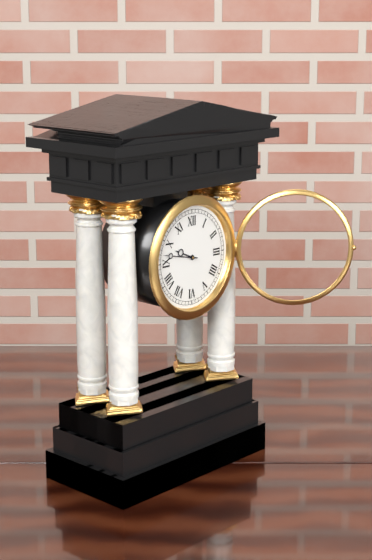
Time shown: 9:47
